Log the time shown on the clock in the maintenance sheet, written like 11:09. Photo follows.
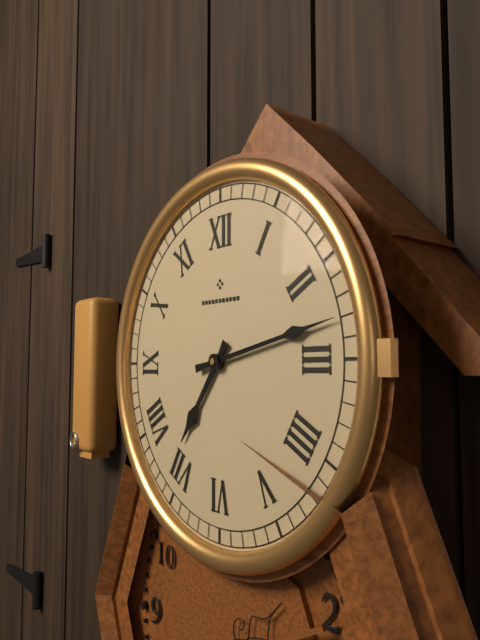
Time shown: 7:13
